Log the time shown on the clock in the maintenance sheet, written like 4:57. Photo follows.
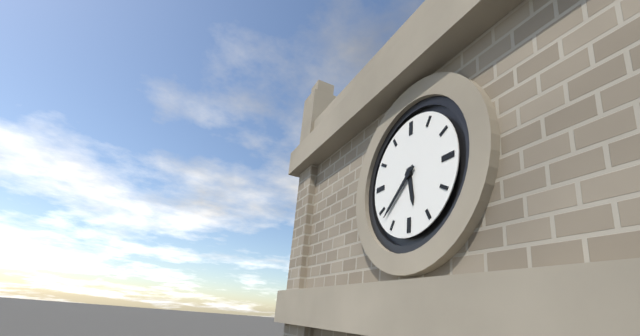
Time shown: 5:38
